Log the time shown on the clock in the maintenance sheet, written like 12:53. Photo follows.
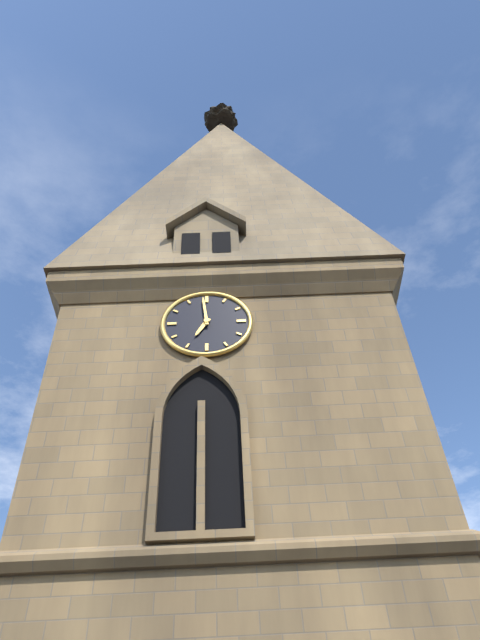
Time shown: 6:59
